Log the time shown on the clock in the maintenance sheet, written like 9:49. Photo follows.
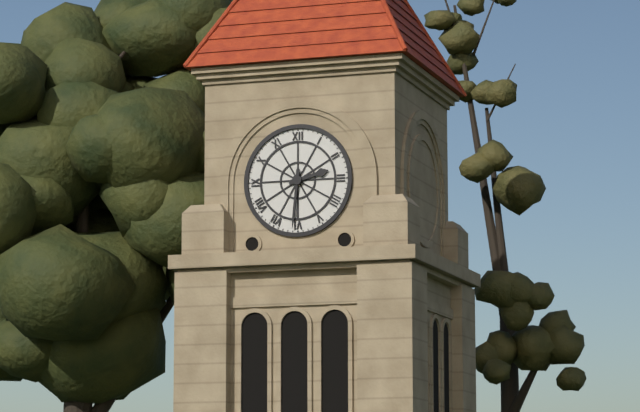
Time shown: 2:31
